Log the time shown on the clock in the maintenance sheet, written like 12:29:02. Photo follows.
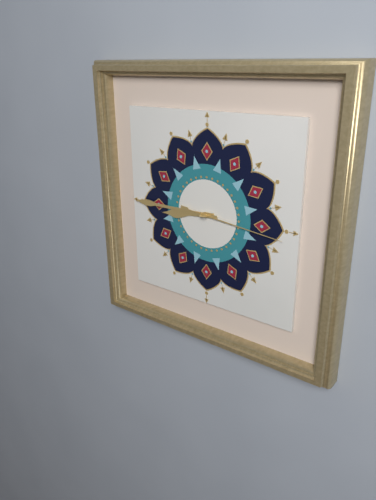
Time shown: 8:45:16
